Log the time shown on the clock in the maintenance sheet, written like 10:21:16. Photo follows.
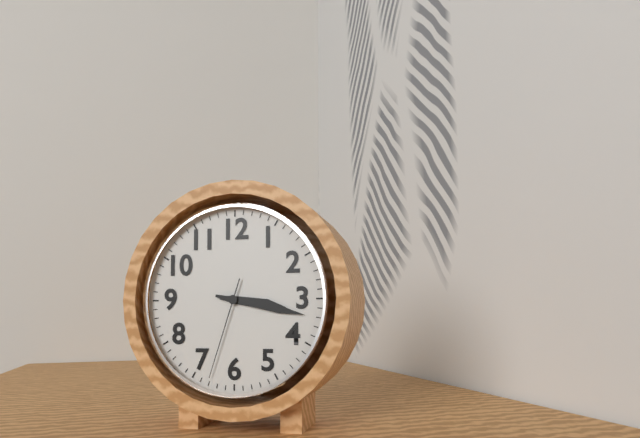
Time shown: 3:17:33
